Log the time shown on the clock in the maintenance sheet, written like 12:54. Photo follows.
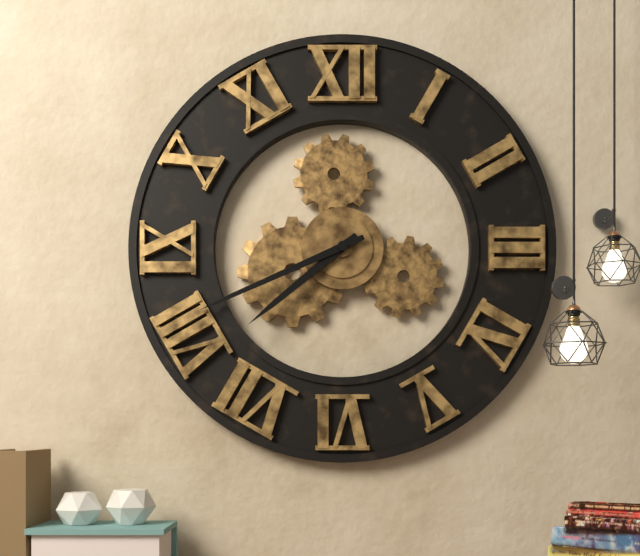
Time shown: 7:41
